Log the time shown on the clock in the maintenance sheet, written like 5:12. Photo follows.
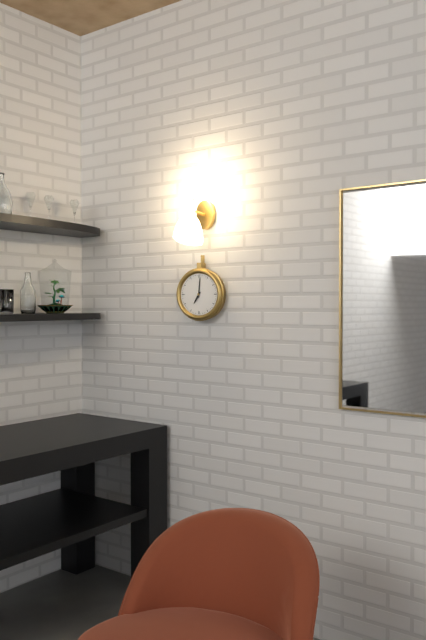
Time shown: 7:01
